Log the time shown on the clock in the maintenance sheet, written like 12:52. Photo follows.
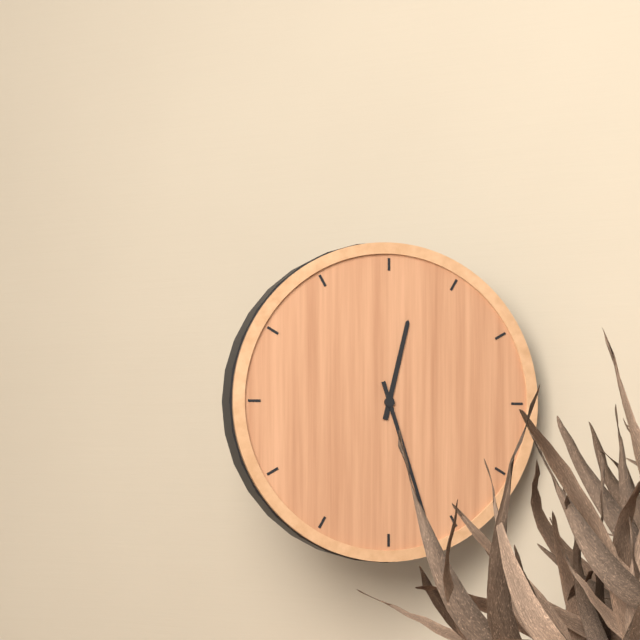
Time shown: 12:27
